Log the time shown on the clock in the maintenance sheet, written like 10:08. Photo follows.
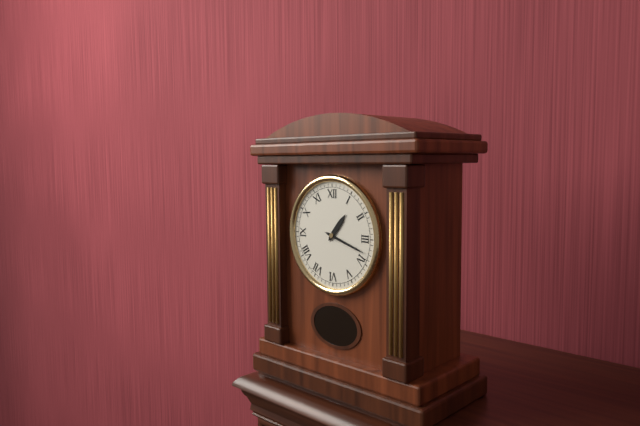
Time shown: 1:18
